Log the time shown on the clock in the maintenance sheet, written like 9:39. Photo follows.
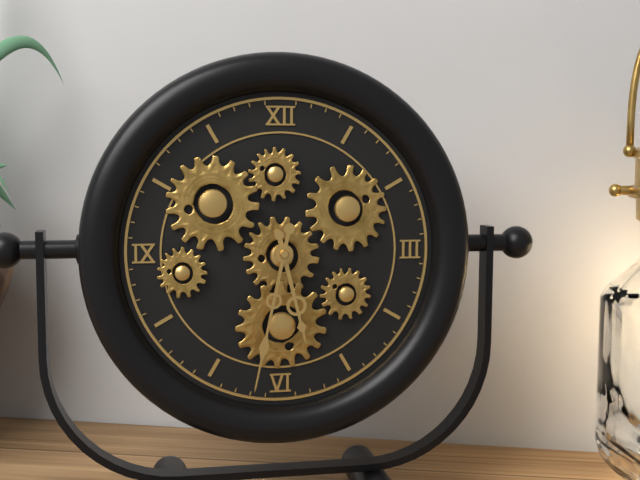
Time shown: 5:32
